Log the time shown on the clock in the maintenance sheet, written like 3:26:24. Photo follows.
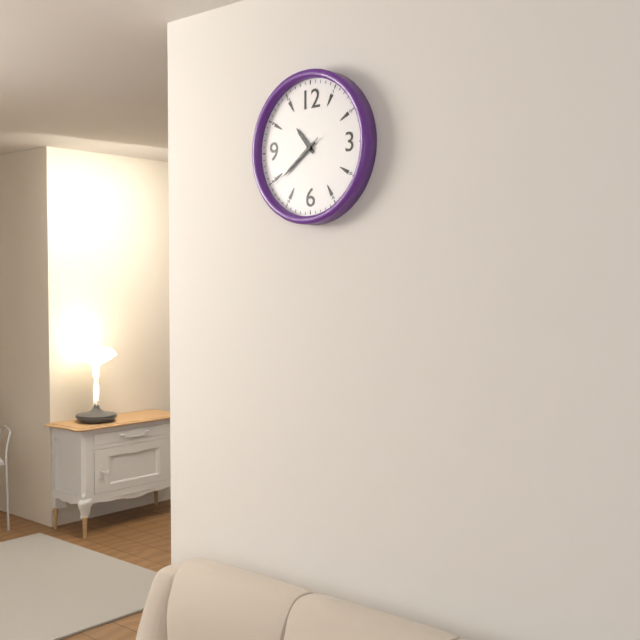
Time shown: 10:39:39
